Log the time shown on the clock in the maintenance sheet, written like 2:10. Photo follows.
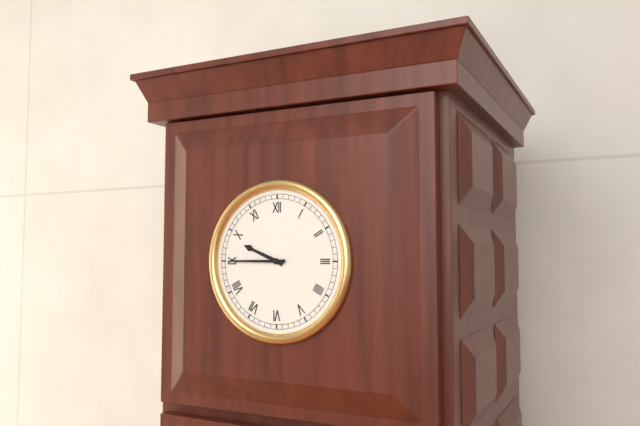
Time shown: 9:45
